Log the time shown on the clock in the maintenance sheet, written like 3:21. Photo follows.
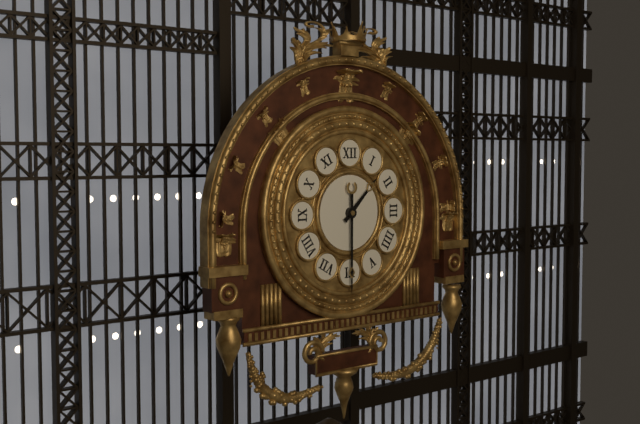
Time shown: 1:30
